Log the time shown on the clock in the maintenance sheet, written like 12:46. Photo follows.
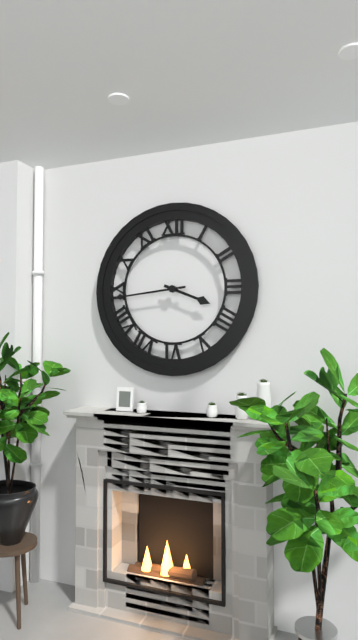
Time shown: 3:44
